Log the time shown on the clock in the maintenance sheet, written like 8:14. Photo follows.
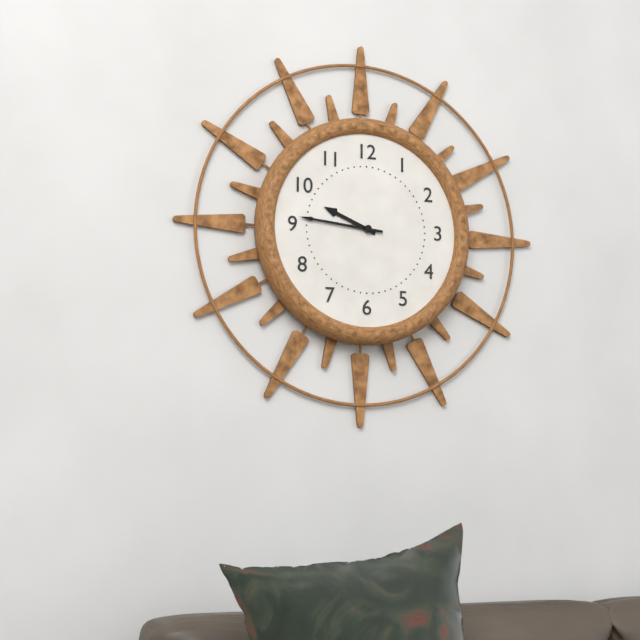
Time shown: 9:46
